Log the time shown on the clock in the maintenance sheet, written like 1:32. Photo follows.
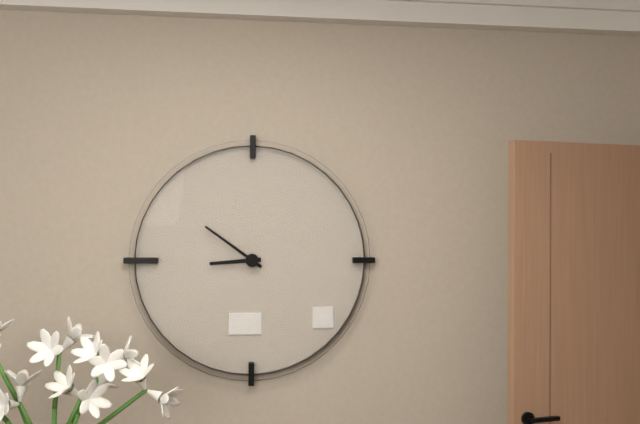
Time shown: 8:51
